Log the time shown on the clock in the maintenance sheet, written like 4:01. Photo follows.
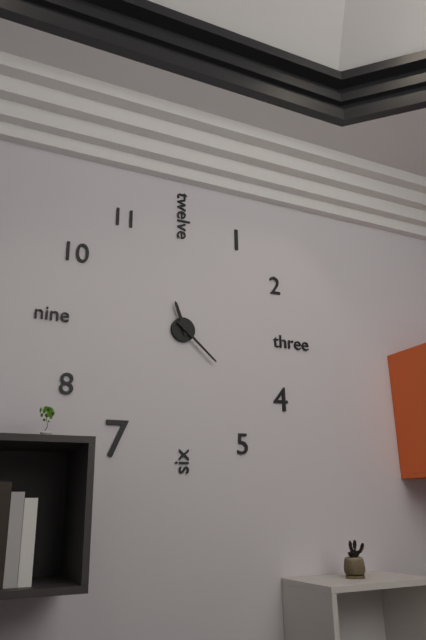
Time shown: 11:22
